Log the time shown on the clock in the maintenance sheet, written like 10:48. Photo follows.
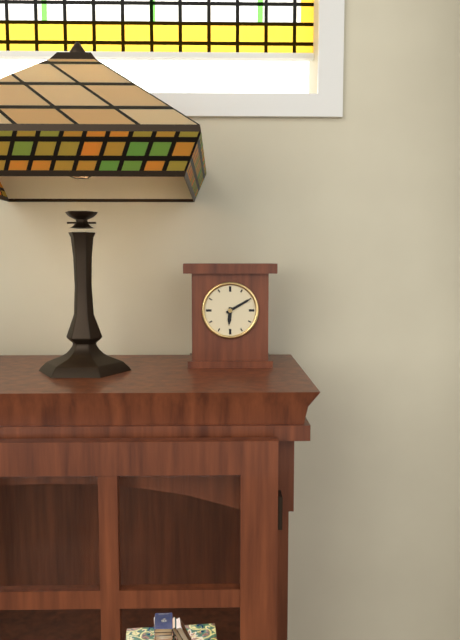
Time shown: 6:10
